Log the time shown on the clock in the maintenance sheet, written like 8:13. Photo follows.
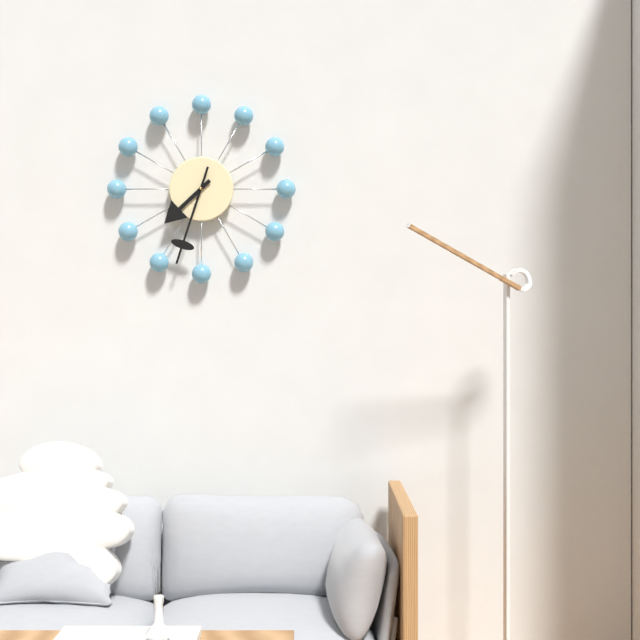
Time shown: 7:33
